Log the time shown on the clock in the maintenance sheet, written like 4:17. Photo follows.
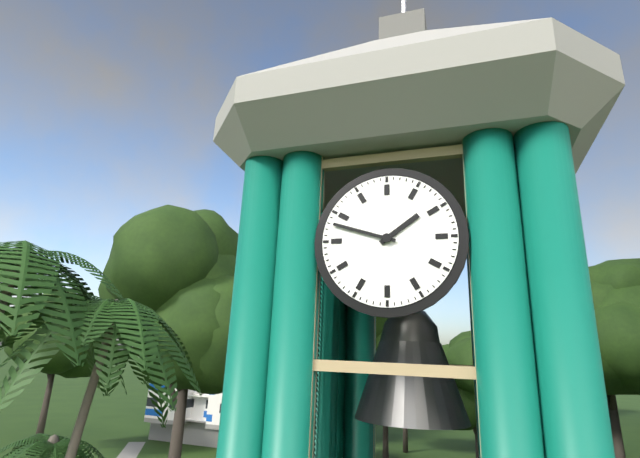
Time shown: 1:48
